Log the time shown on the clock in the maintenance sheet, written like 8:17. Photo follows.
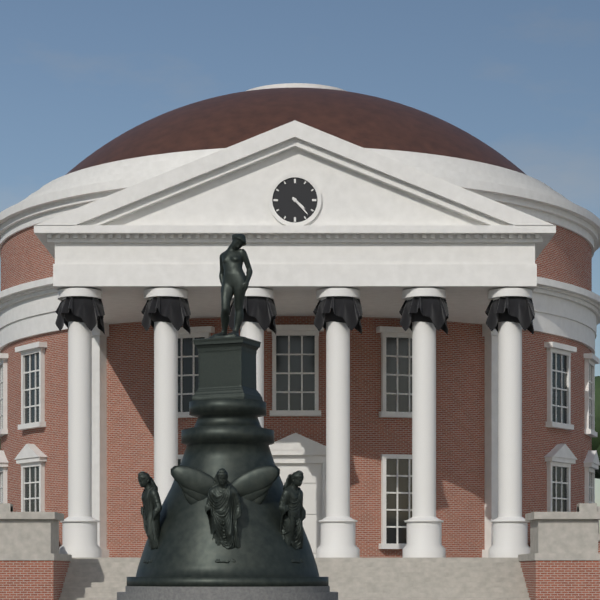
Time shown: 4:23
